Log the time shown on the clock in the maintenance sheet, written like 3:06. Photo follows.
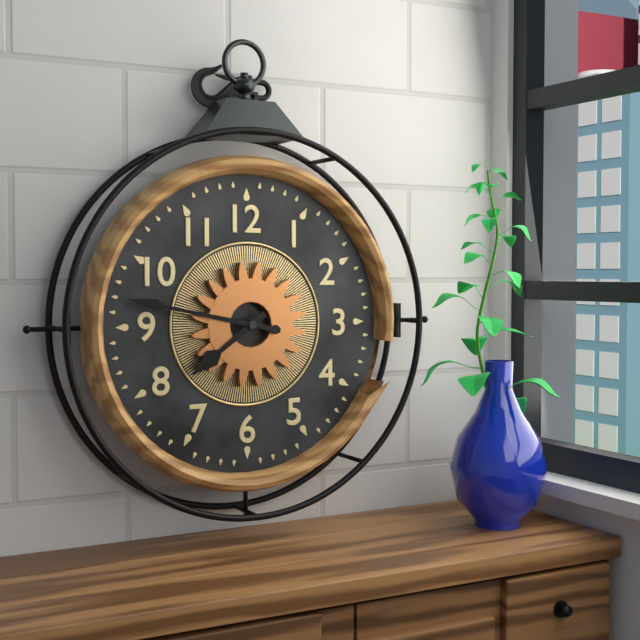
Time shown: 7:47
